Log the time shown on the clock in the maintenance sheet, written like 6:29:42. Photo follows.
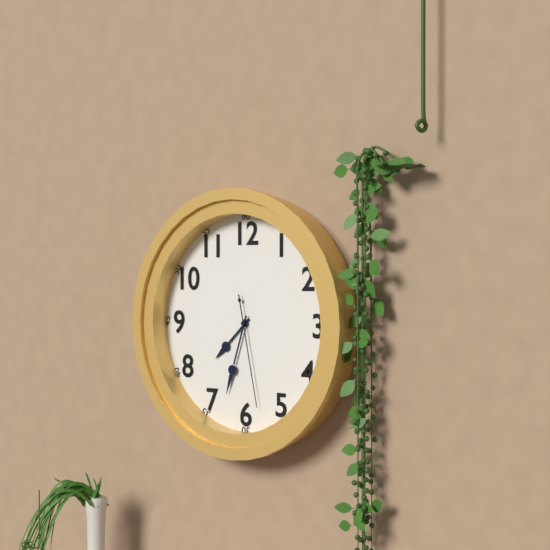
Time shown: 7:33:28
